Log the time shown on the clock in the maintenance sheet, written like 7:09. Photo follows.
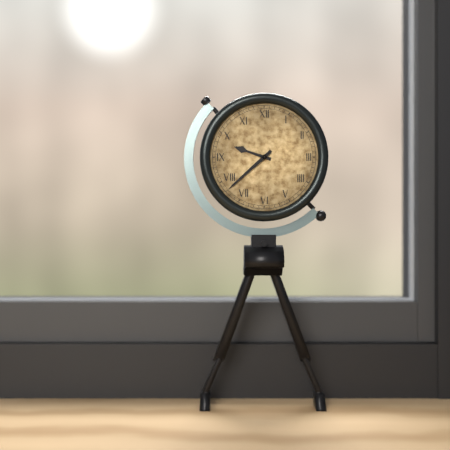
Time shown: 9:38
